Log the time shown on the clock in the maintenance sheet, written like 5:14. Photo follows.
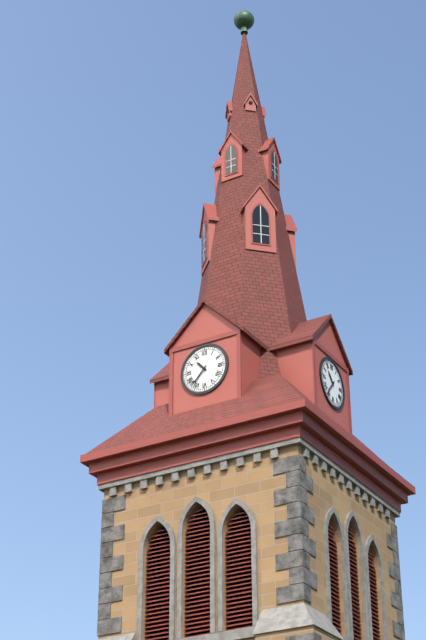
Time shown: 10:37
